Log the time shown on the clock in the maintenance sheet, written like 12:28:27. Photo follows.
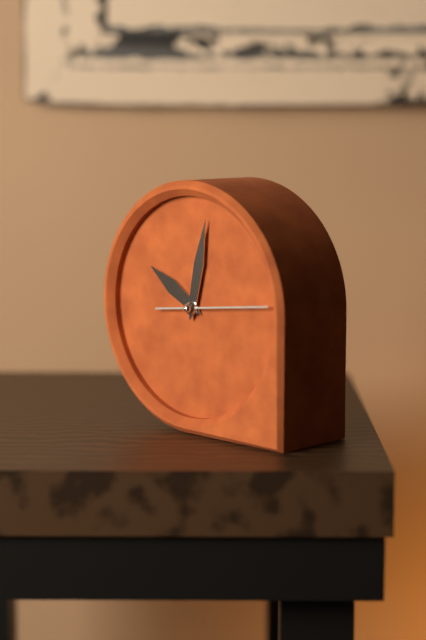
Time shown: 10:02:14
